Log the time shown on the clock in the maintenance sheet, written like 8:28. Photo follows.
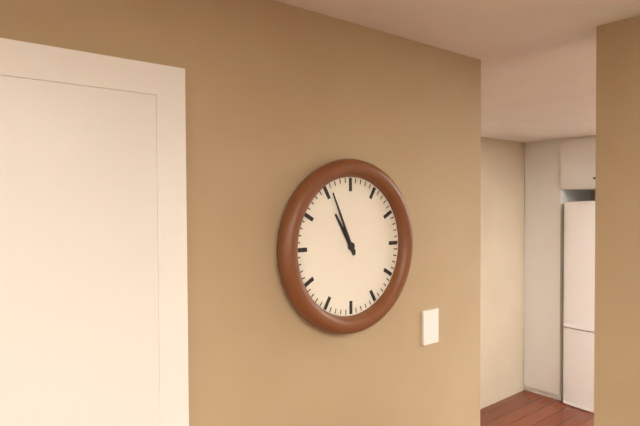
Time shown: 10:56
